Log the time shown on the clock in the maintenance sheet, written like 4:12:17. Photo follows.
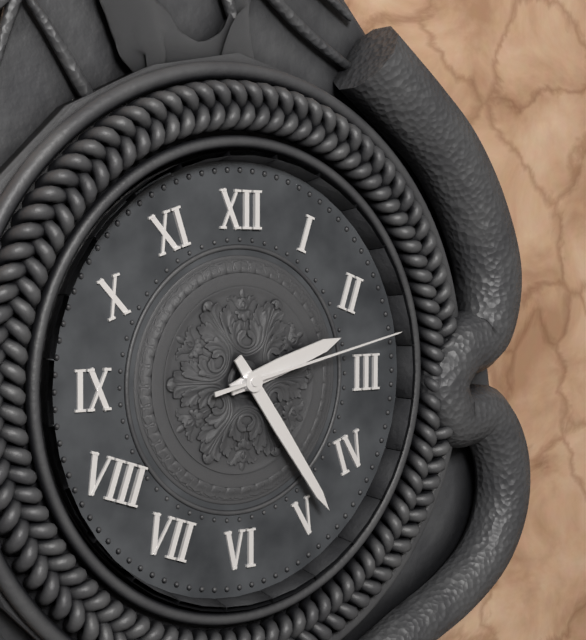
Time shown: 2:24:13
